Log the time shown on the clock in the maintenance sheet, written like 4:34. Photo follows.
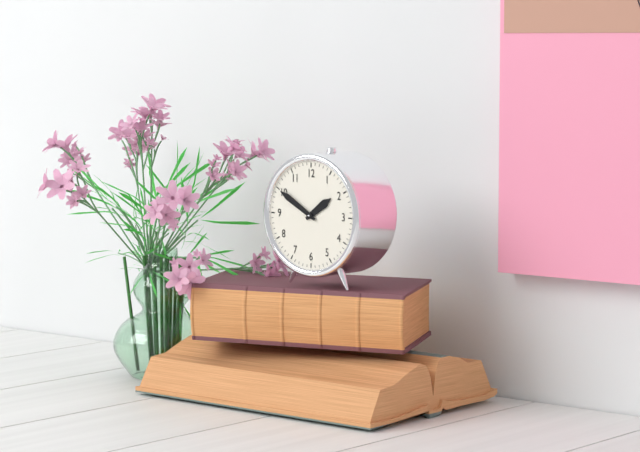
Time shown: 1:50
